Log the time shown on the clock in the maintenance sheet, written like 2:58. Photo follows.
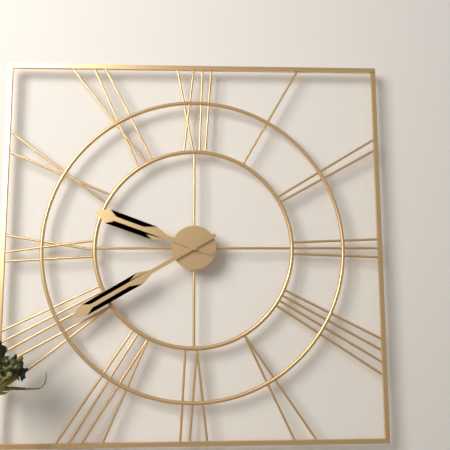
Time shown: 9:40
